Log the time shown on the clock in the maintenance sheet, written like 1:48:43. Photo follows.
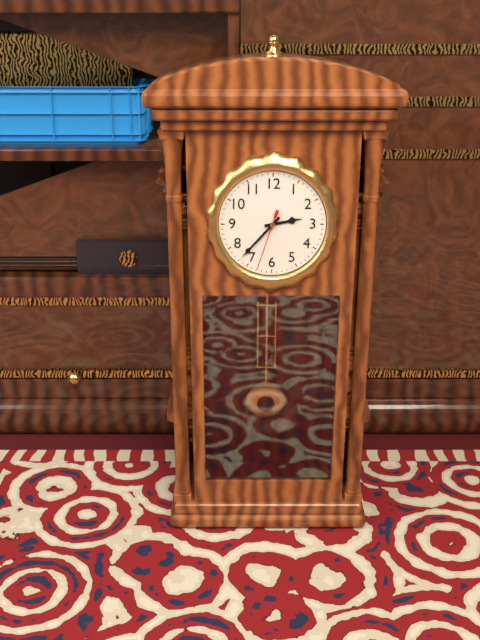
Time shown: 2:37:33
